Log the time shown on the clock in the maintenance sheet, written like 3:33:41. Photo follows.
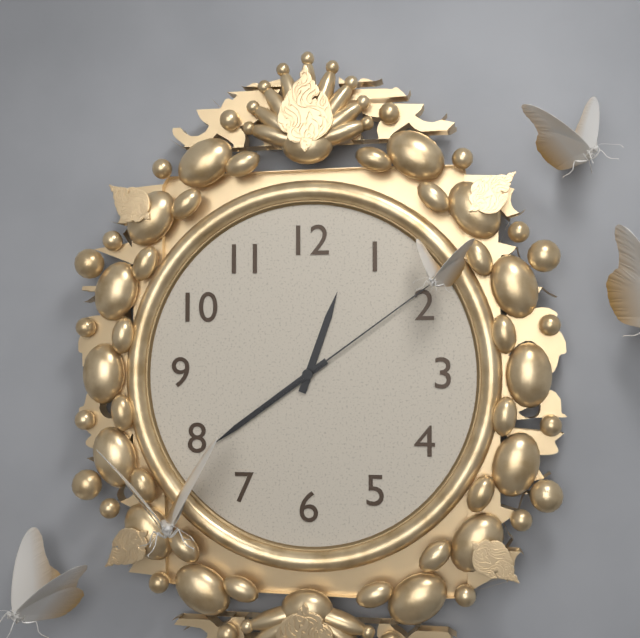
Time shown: 12:39:09
